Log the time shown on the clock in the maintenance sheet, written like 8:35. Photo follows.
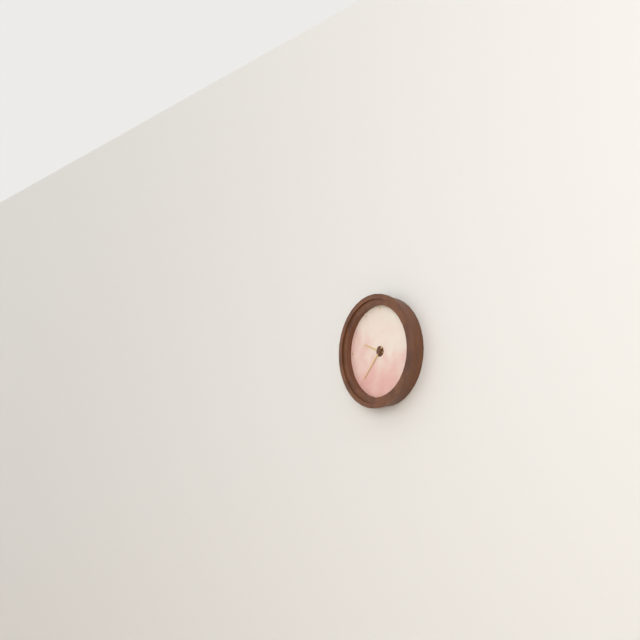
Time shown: 9:37
